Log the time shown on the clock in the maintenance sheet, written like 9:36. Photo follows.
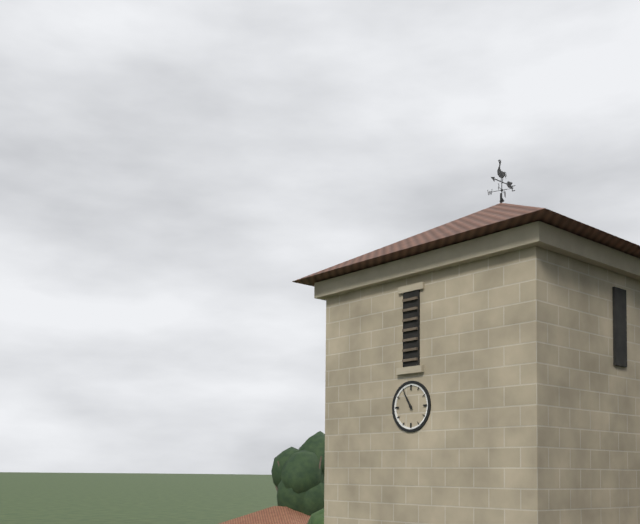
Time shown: 10:55
